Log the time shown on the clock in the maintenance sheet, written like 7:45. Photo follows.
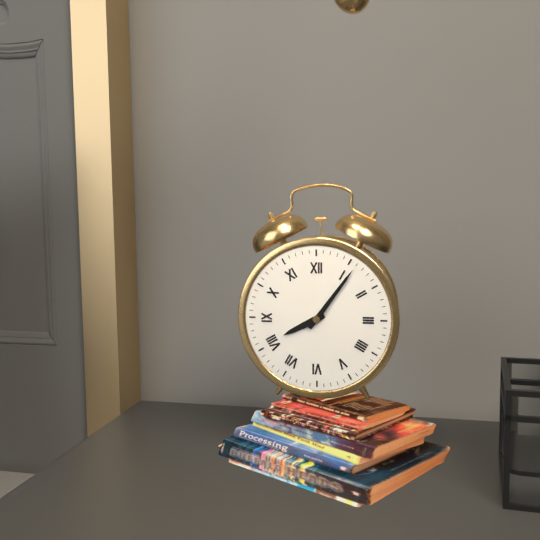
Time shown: 8:06
